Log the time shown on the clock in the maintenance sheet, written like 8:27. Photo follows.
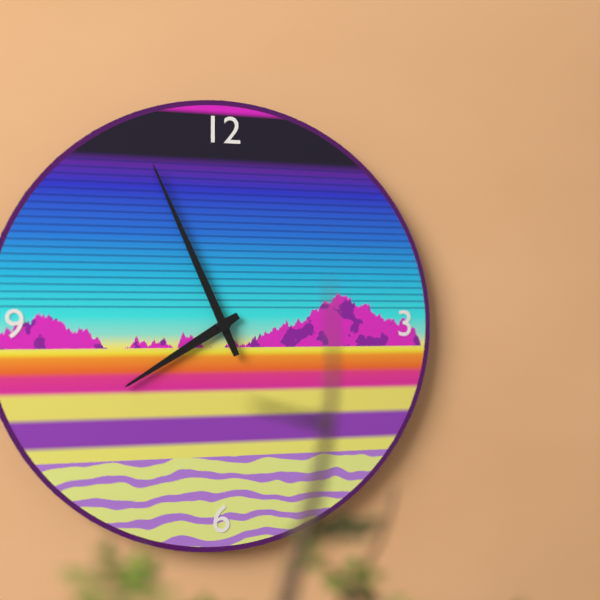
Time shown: 7:56
